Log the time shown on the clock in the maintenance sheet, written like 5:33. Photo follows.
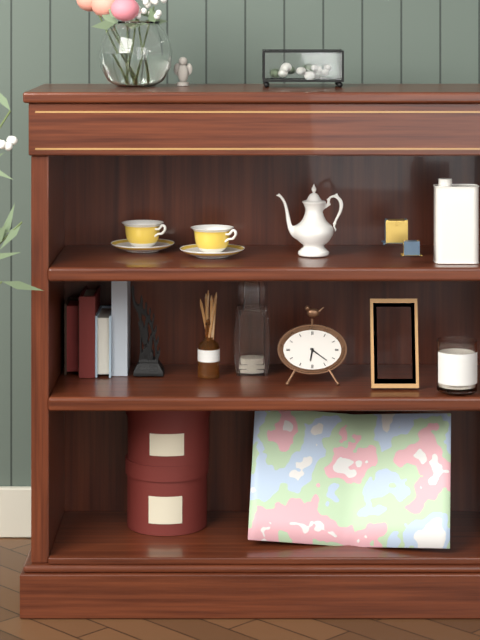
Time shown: 6:21
